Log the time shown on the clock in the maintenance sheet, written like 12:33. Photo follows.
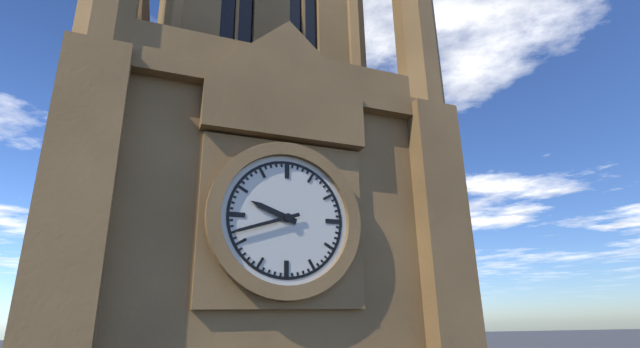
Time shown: 9:42
